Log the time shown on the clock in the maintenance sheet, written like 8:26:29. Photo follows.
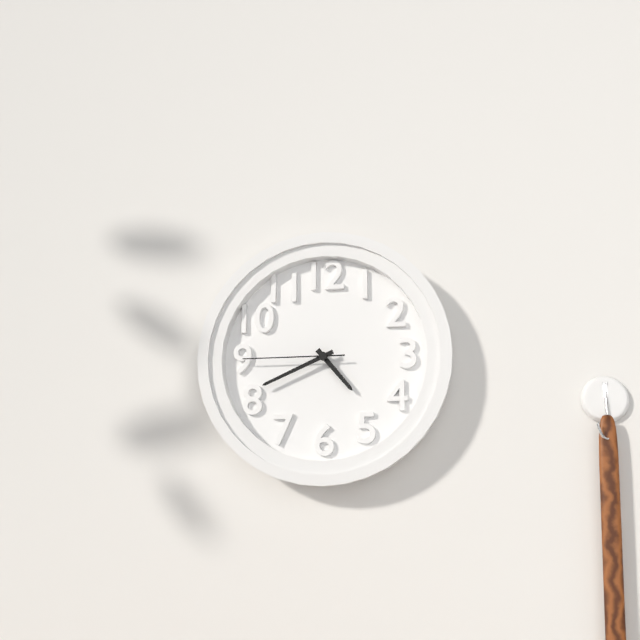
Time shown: 4:41:45
